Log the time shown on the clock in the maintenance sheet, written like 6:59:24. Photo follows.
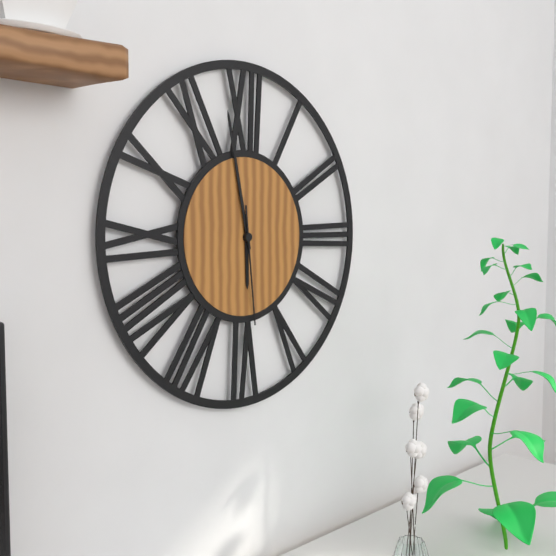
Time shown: 5:58:29
